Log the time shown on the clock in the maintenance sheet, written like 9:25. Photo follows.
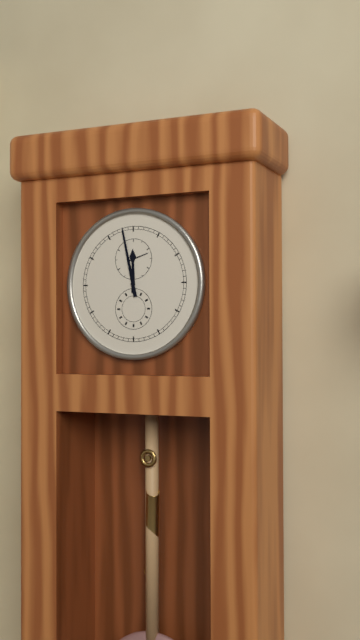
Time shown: 11:58
